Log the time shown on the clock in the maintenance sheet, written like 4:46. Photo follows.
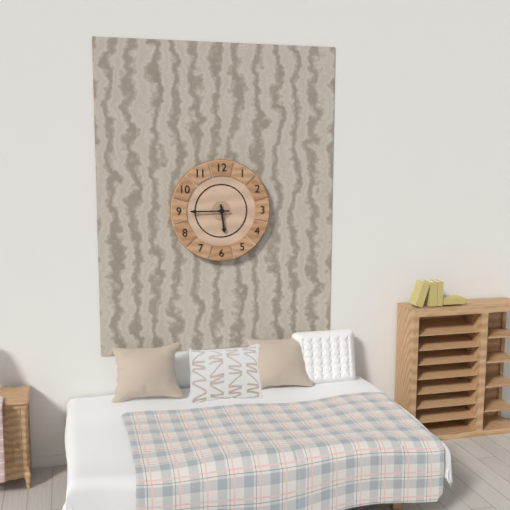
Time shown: 5:45
